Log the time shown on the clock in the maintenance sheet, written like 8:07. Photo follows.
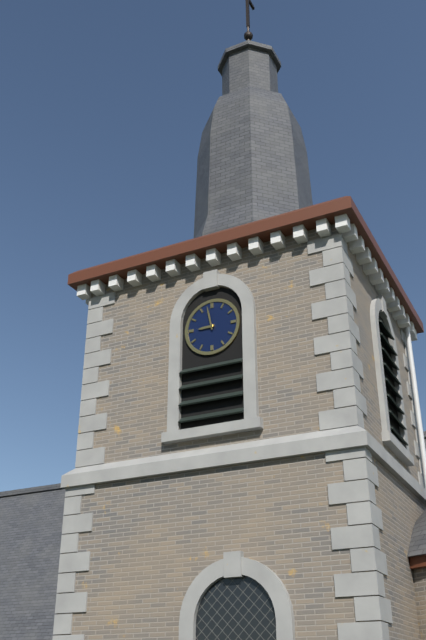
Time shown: 8:58
